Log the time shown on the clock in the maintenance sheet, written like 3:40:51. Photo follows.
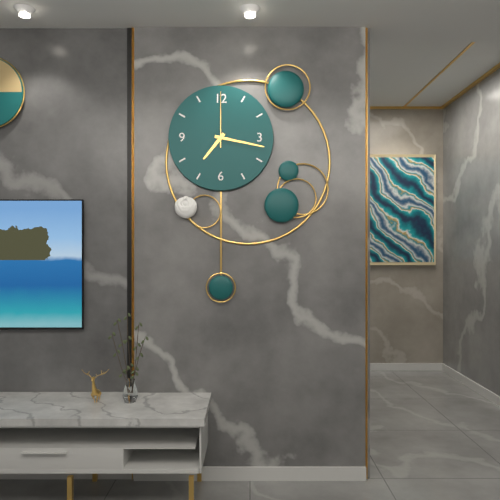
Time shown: 7:17:00
